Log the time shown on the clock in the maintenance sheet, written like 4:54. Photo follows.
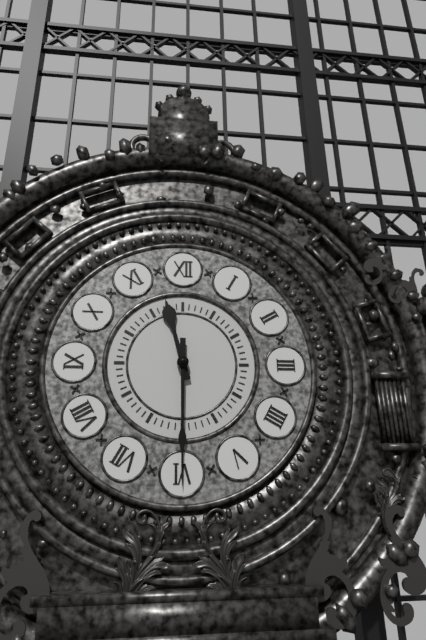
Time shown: 11:30
